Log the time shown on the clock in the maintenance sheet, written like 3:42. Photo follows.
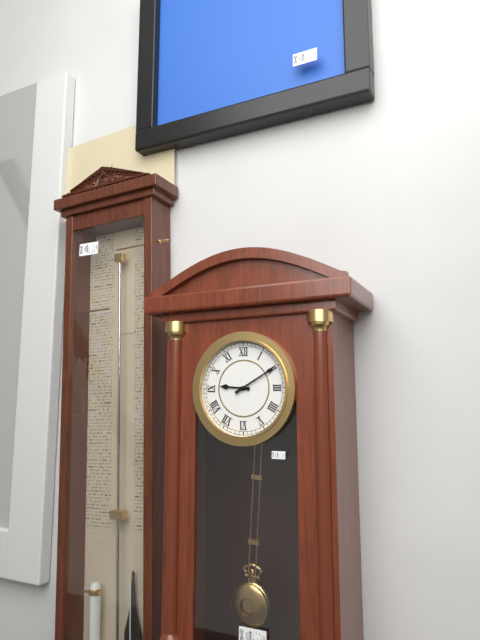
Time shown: 9:10
